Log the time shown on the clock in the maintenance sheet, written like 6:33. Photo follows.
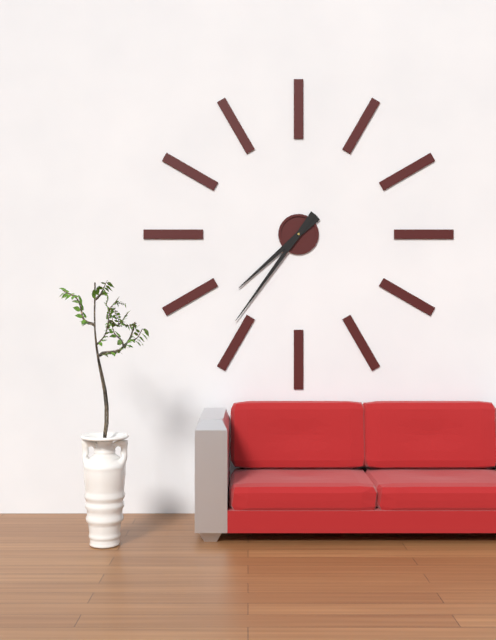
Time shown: 7:36
